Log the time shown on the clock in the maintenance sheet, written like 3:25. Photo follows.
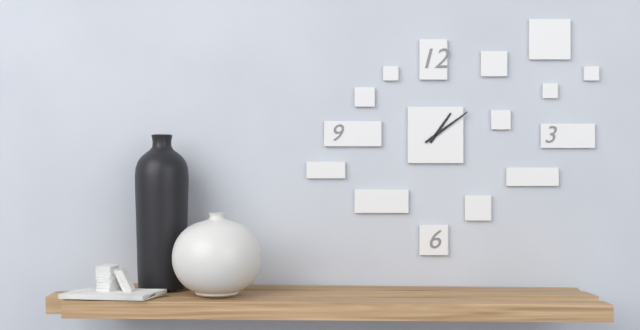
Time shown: 1:09
